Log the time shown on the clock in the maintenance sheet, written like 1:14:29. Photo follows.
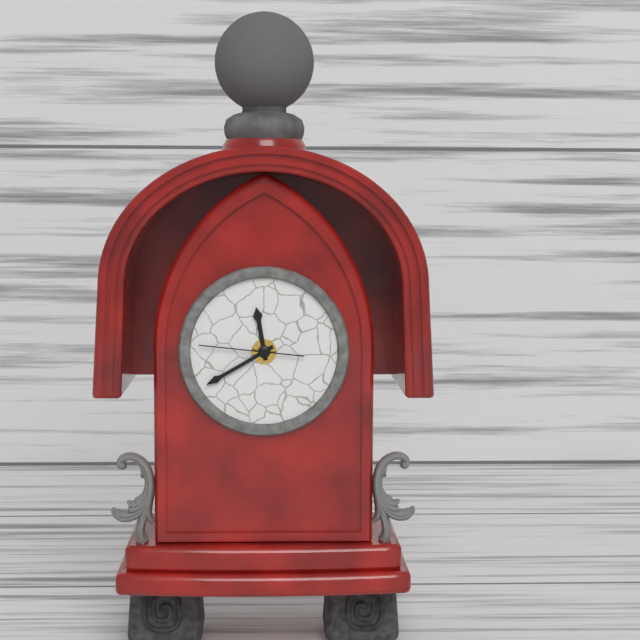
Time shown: 11:40:46
